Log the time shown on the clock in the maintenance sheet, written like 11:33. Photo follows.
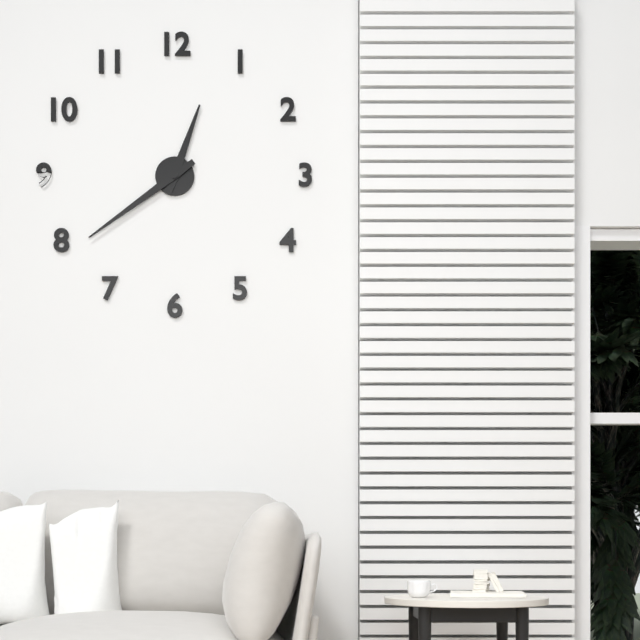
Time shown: 12:39
